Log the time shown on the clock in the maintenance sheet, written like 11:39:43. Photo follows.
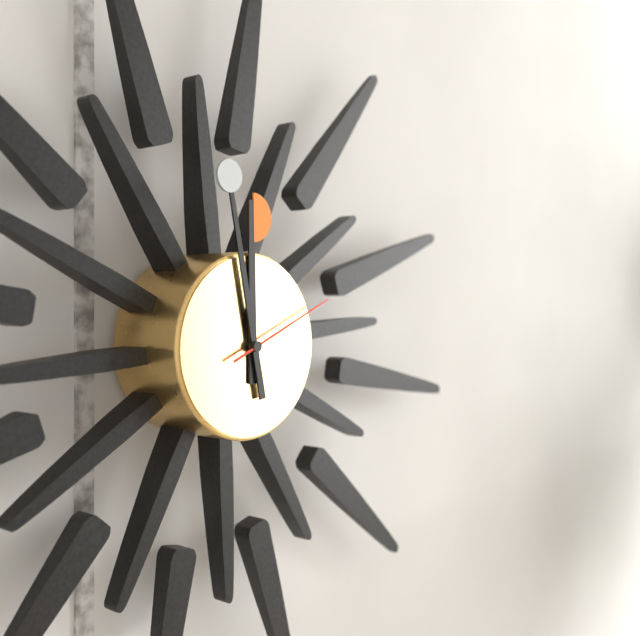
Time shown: 11:58:11
